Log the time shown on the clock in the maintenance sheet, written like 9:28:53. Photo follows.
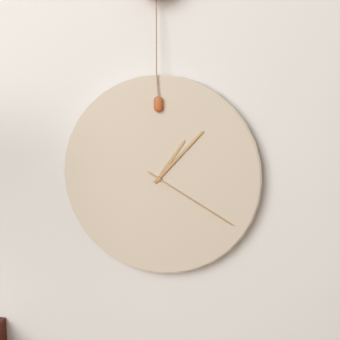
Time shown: 1:07:20
